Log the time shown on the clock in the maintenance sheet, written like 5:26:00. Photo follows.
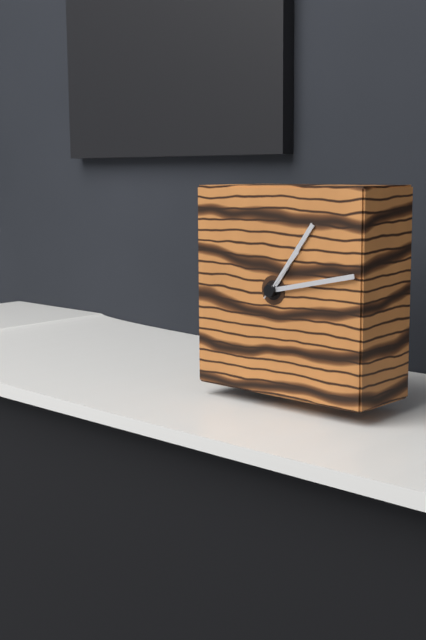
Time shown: 1:13:07
